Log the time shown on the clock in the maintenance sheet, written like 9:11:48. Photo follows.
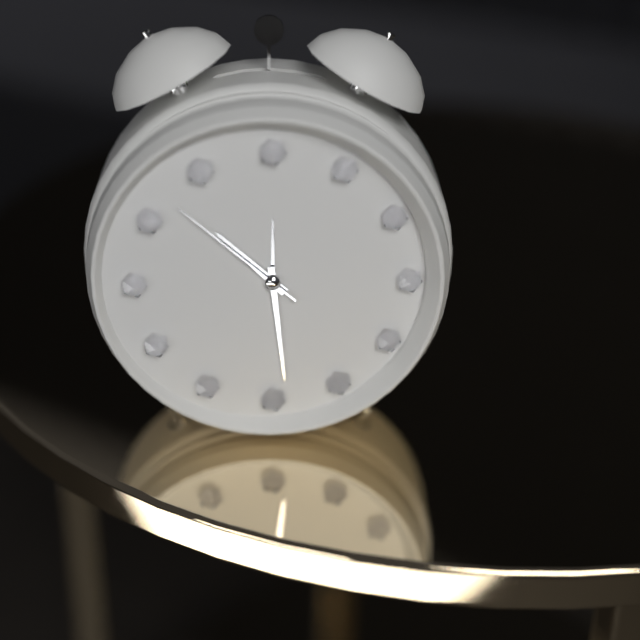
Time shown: 10:29:52
